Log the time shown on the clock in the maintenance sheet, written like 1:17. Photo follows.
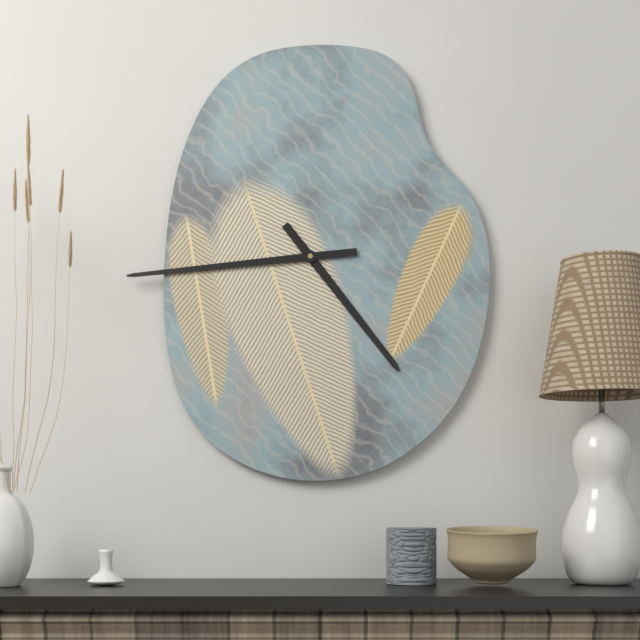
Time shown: 4:44
